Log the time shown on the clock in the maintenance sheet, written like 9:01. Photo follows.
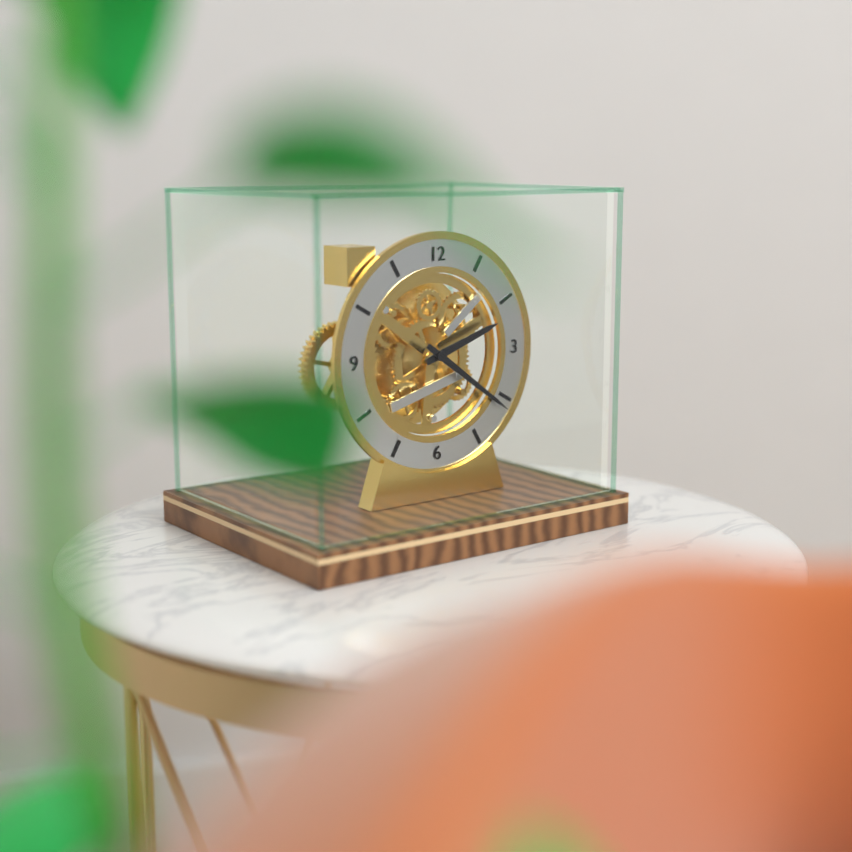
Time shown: 2:21
